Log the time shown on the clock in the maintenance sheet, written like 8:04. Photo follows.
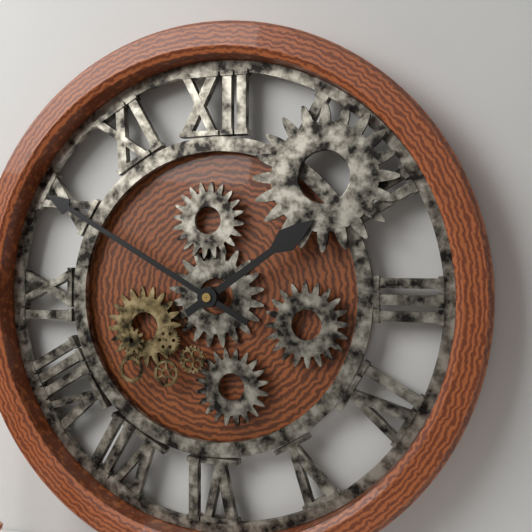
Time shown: 1:50
